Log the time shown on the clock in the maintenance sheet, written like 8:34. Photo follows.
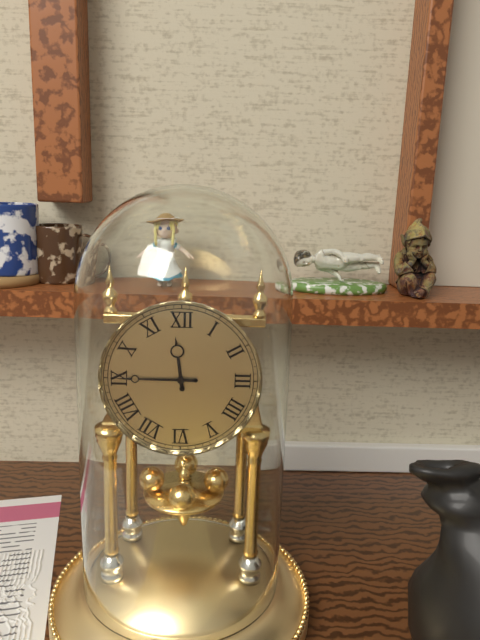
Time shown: 11:45
